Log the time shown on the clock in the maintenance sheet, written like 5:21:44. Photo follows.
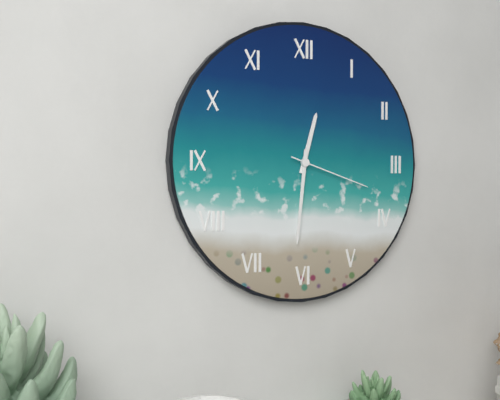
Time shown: 12:31:18
